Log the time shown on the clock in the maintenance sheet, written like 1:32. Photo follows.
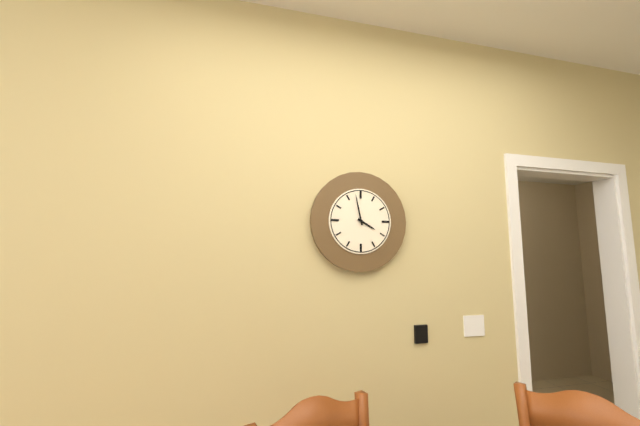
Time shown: 3:58
